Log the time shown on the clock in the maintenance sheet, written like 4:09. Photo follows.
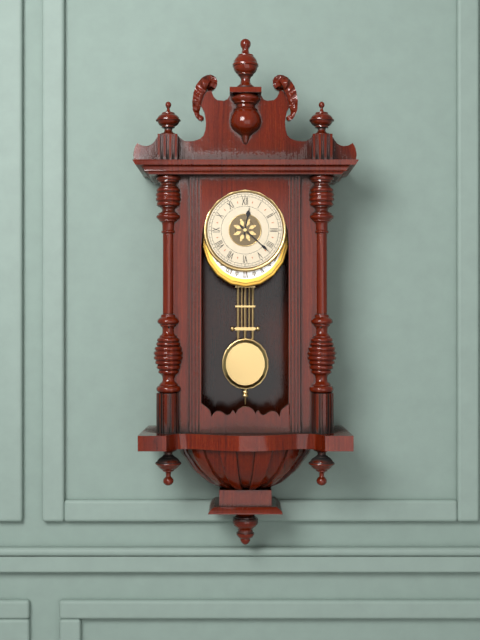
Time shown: 12:22
